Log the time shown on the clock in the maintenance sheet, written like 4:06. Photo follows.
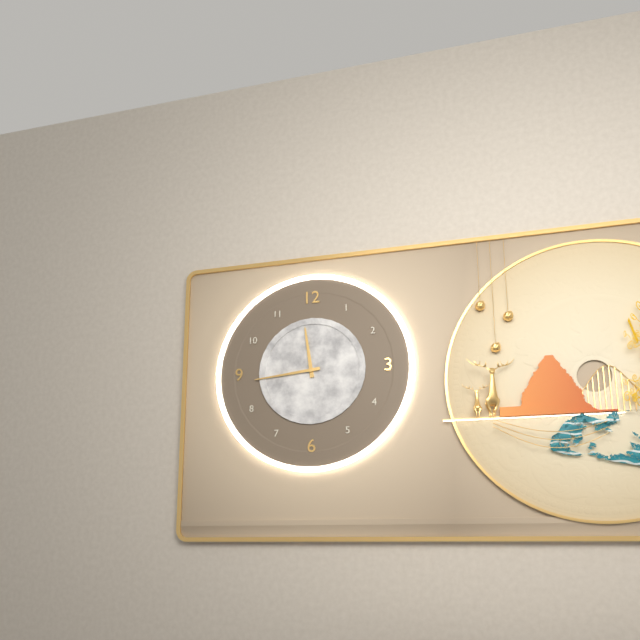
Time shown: 11:44
